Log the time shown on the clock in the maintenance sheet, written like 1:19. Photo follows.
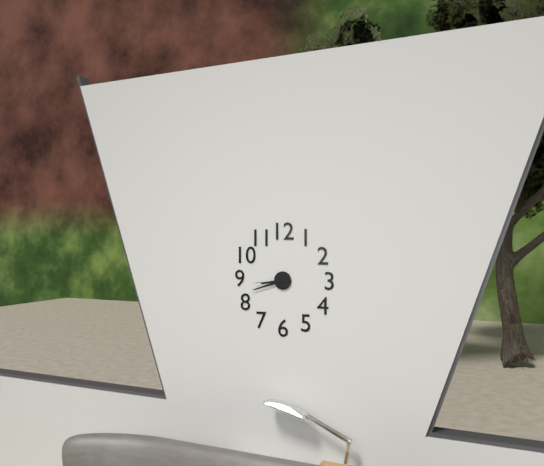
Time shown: 8:42
